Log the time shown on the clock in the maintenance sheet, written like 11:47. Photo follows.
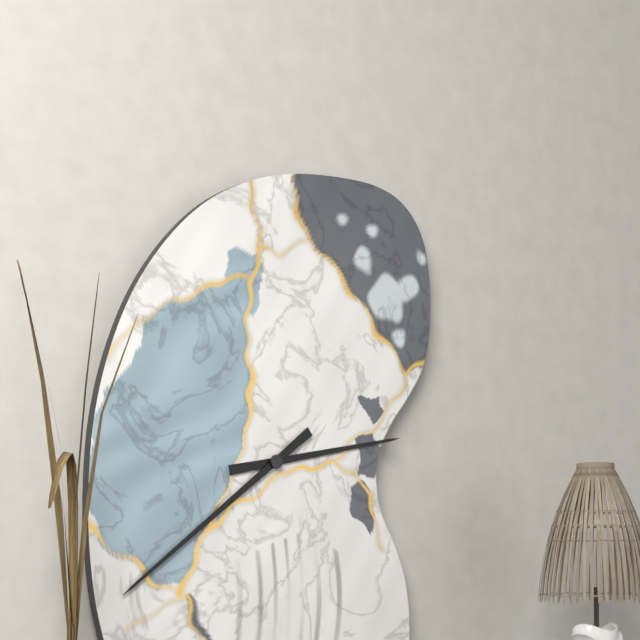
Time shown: 2:39
